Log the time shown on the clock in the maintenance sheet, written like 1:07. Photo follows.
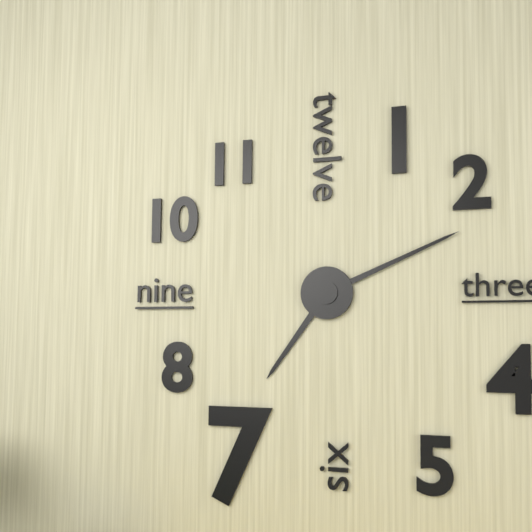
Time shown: 7:11
